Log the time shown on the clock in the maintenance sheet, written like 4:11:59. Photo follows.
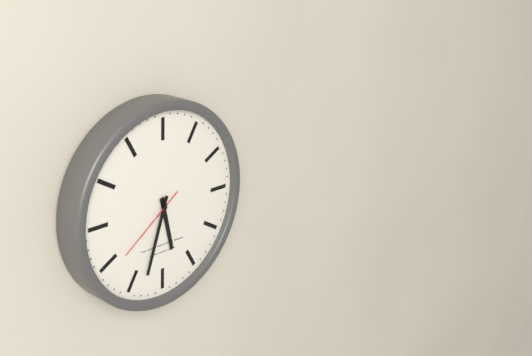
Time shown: 5:33:39
